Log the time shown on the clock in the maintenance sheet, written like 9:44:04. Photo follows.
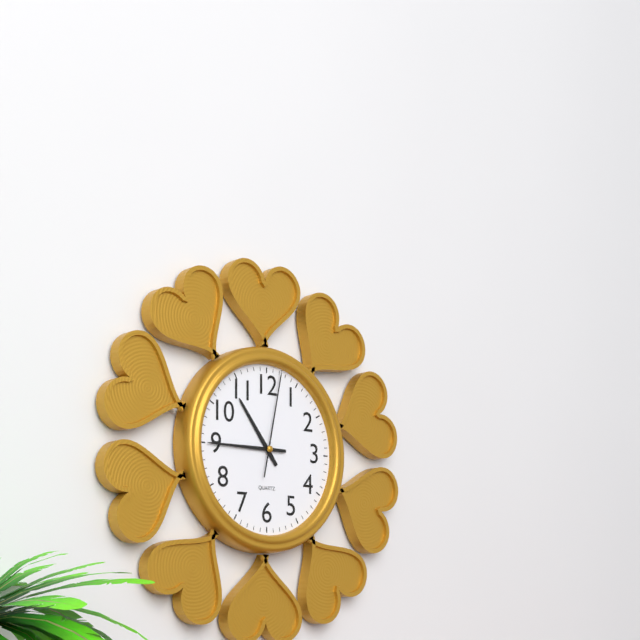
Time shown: 10:45:02
